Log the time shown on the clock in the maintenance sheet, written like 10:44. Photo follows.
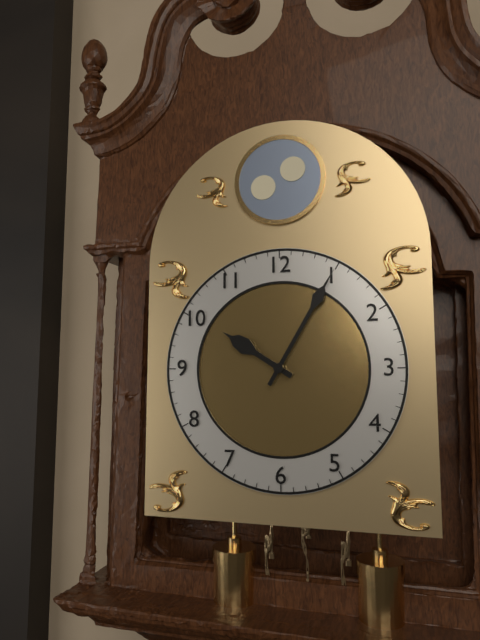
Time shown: 10:05
